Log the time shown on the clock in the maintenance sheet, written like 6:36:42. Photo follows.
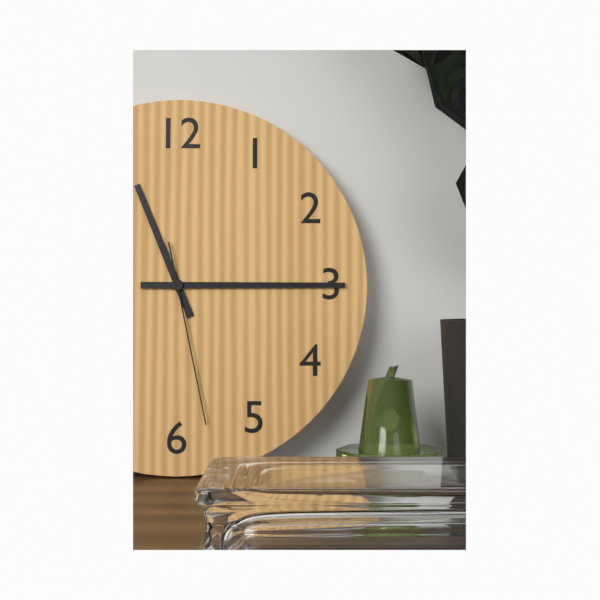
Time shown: 11:15:28
